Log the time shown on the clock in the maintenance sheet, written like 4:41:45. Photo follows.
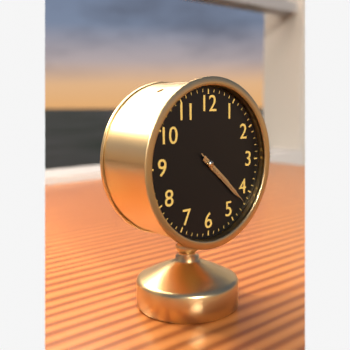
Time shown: 4:22:22
